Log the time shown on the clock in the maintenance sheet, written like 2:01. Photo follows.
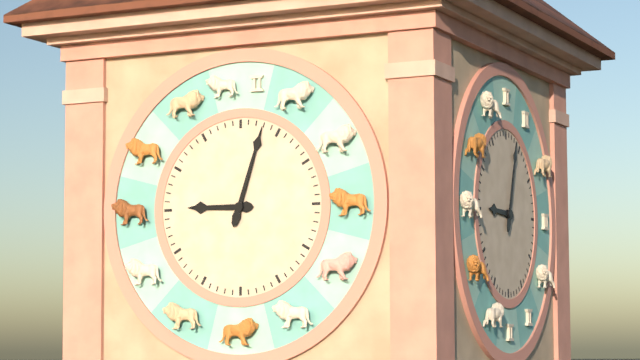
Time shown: 9:03
